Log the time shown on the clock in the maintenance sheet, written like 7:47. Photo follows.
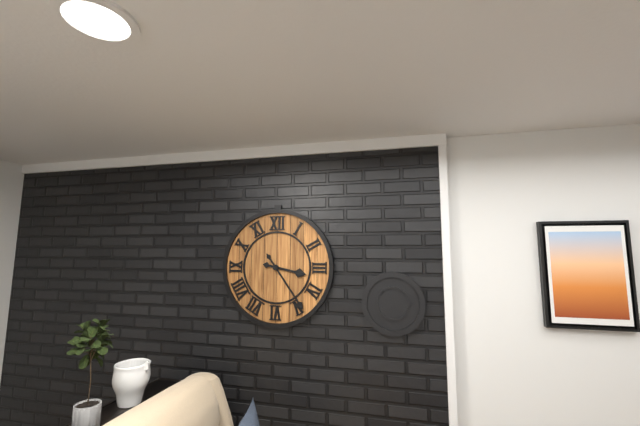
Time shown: 3:24
